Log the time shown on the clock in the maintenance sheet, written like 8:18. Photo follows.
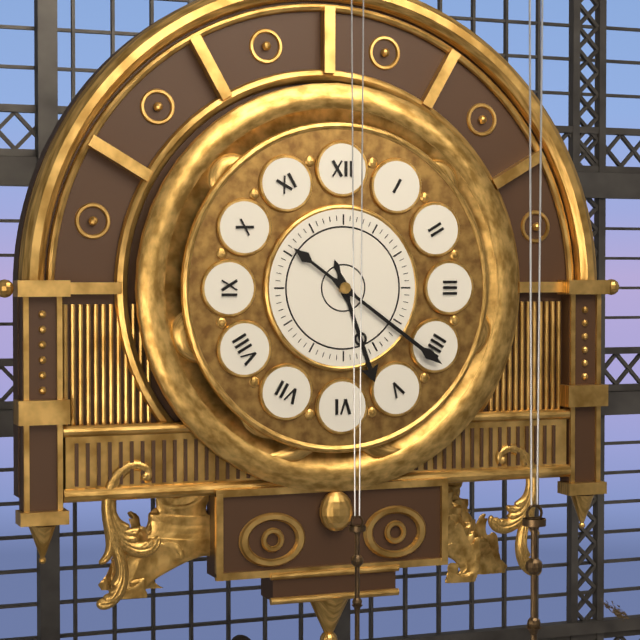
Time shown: 5:21
